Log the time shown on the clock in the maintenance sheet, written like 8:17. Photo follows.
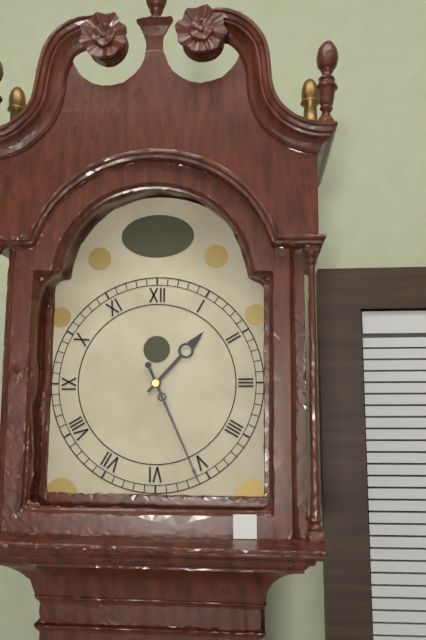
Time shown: 1:26
